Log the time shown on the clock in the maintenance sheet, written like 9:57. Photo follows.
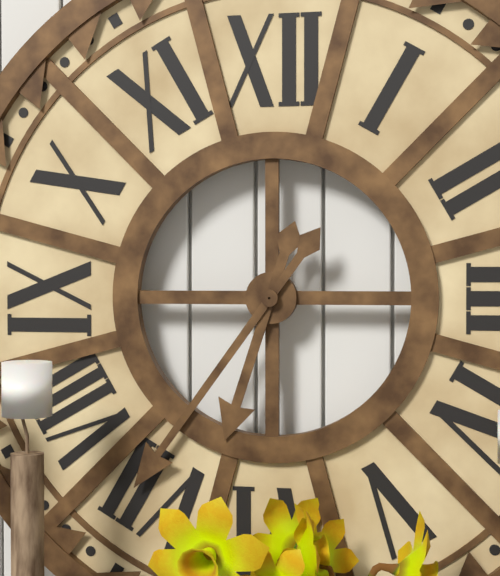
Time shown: 6:36
